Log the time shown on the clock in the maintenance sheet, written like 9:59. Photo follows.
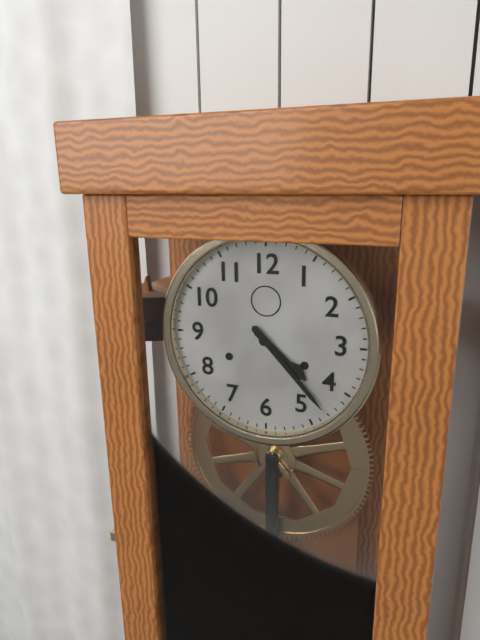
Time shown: 4:23
